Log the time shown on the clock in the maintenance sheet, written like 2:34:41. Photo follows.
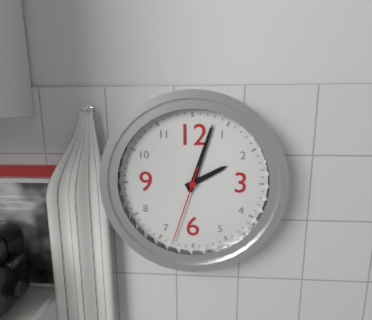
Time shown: 2:03:33
